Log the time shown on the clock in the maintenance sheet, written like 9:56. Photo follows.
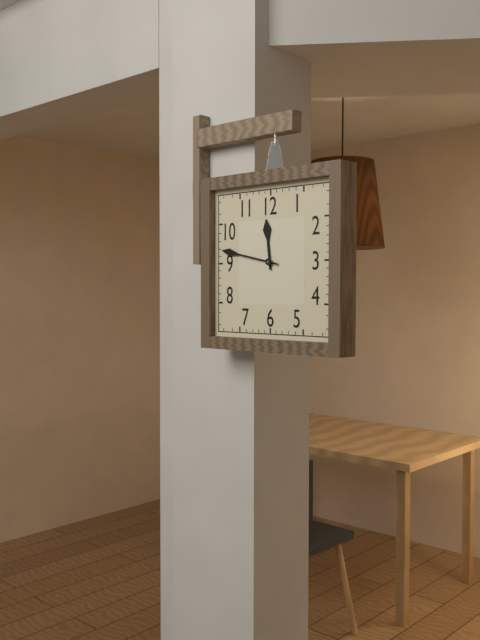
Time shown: 11:47
